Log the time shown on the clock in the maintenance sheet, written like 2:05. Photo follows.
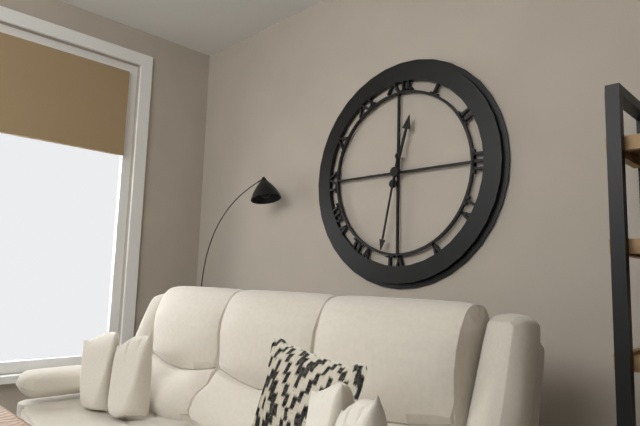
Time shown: 12:32
